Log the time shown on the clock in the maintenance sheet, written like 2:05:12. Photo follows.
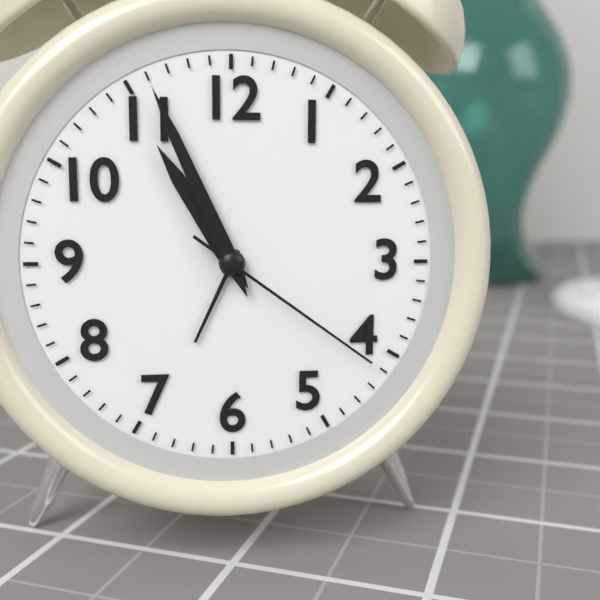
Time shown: 10:56:21
